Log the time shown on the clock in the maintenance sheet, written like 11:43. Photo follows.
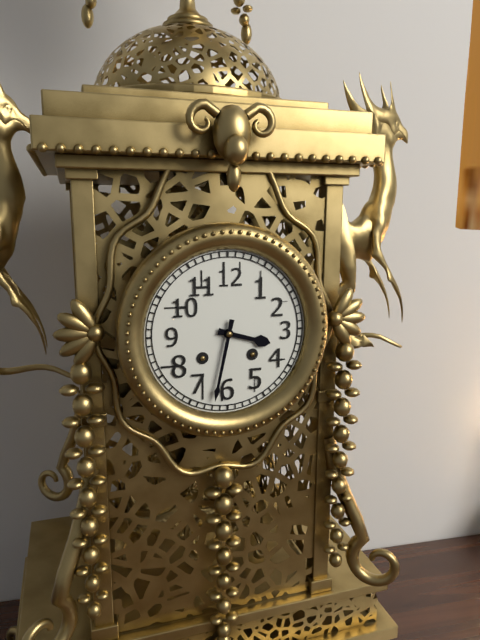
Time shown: 3:32
